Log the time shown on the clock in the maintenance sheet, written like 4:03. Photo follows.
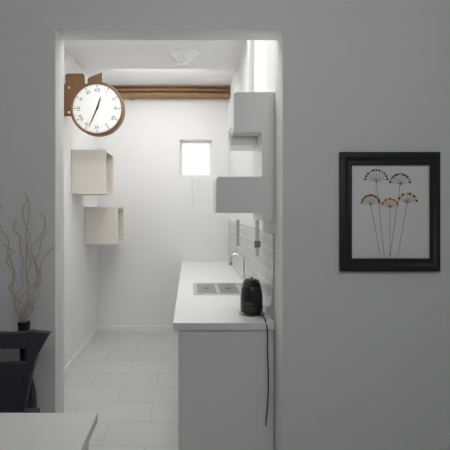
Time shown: 12:34
